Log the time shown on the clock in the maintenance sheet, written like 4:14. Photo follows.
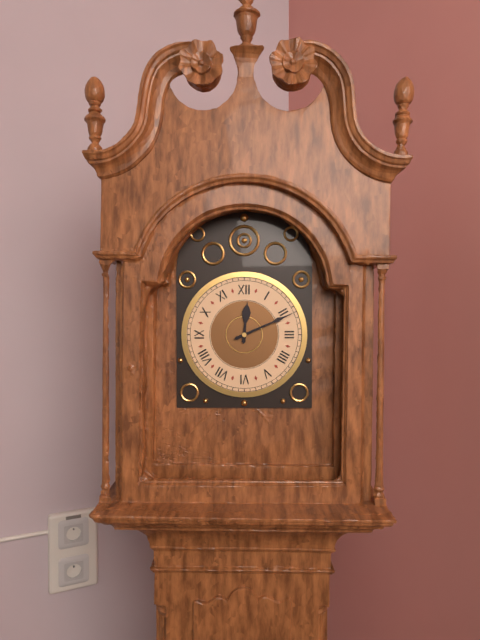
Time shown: 12:11
